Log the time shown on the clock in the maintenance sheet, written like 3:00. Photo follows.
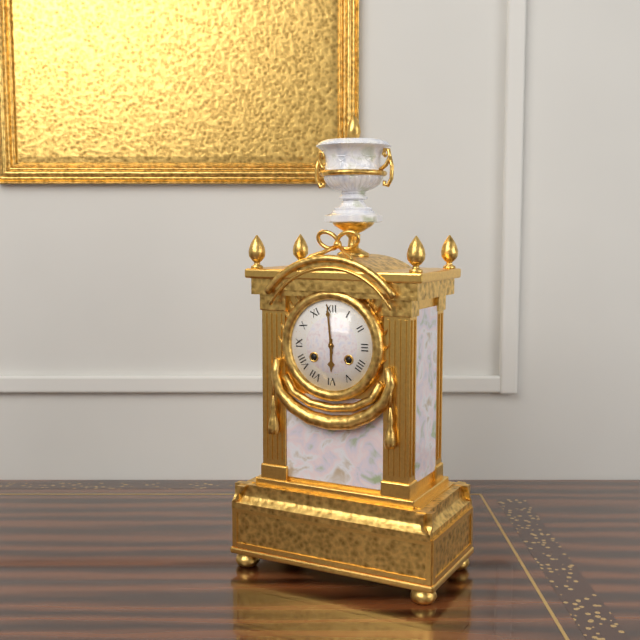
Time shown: 5:59
